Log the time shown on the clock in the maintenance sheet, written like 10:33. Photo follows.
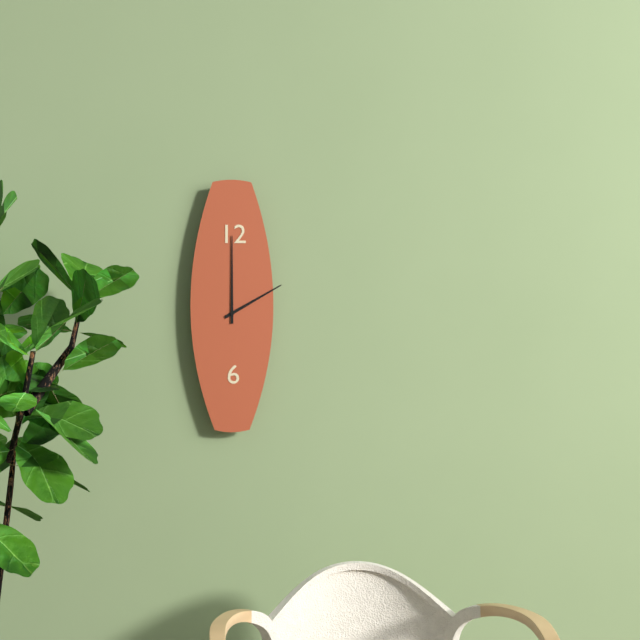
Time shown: 2:00
